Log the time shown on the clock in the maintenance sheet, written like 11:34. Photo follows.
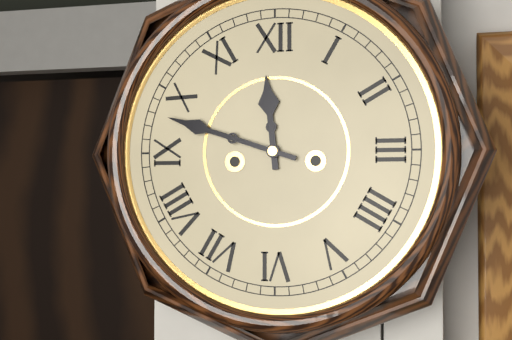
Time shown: 11:48
